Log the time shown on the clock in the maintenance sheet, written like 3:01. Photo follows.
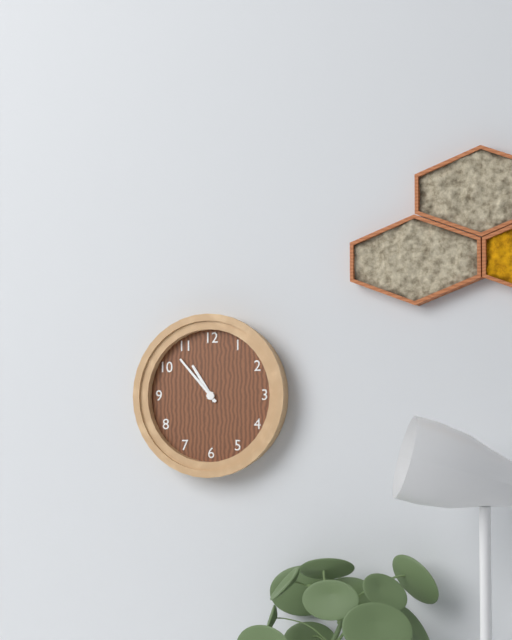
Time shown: 10:53
